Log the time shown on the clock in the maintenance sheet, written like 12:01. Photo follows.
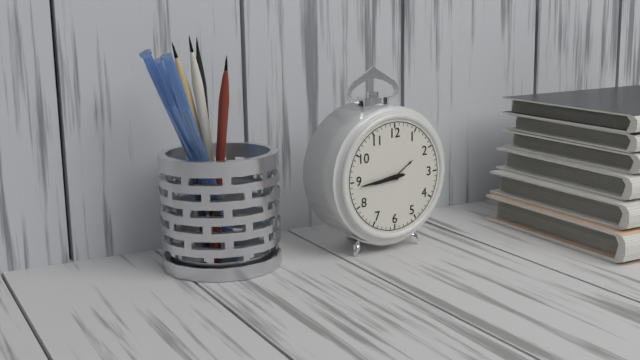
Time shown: 8:44
